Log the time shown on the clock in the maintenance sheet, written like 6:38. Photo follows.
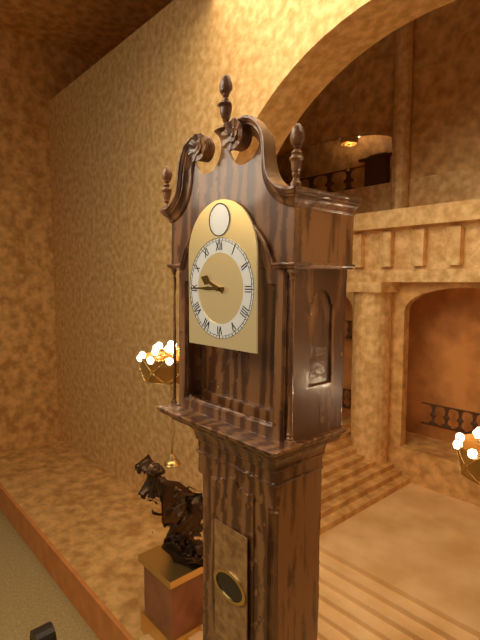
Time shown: 9:45
